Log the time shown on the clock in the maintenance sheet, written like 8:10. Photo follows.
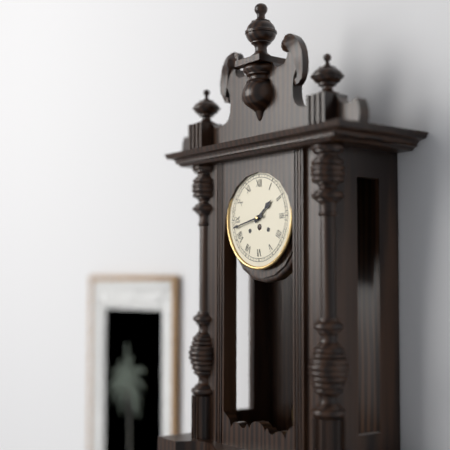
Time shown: 1:43
